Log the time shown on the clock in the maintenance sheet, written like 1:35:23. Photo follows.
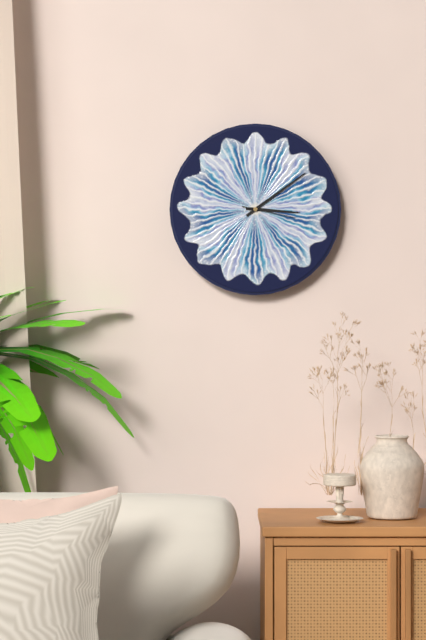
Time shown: 3:09:17
